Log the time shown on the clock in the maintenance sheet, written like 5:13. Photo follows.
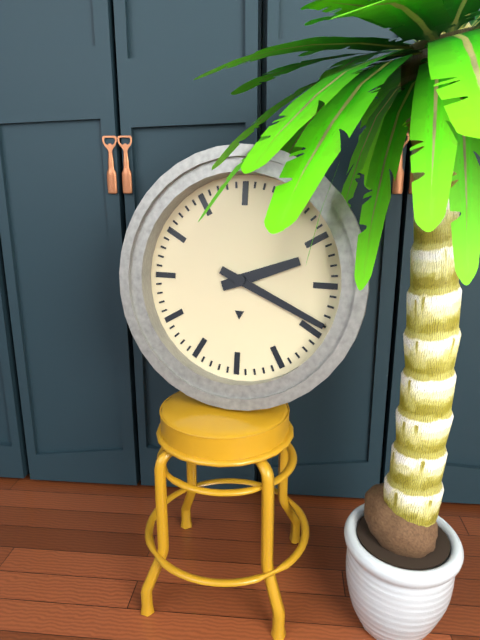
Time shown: 2:19
